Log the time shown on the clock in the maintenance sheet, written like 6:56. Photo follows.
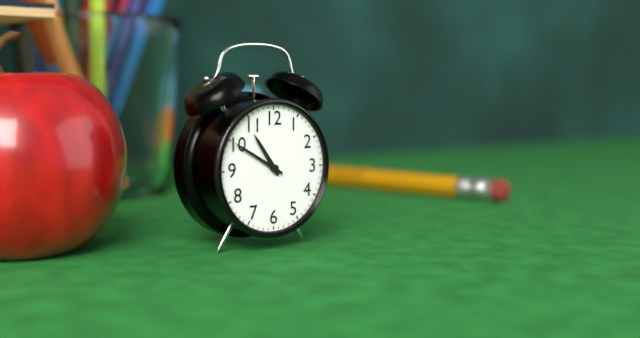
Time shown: 10:50
